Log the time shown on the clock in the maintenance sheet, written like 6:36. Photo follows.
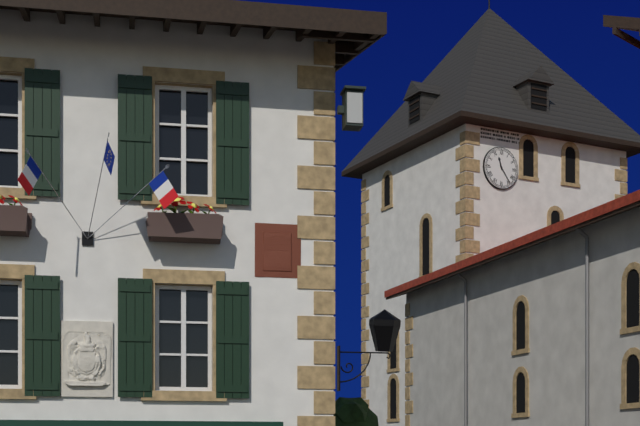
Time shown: 11:24
